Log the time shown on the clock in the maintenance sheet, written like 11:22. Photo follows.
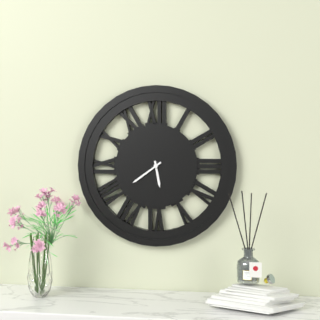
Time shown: 5:39
